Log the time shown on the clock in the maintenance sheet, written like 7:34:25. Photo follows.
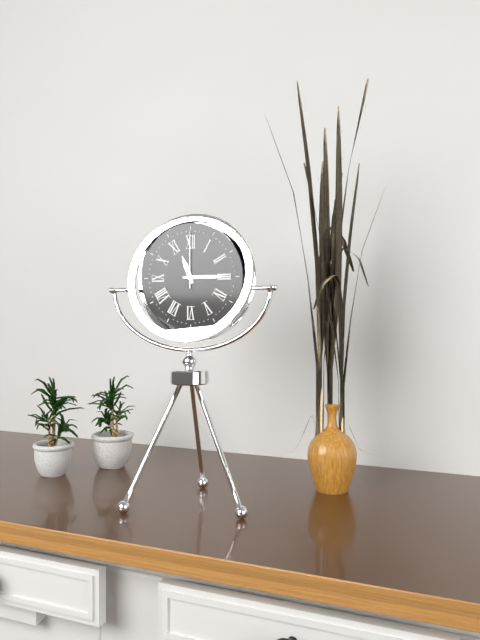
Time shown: 11:15:00
